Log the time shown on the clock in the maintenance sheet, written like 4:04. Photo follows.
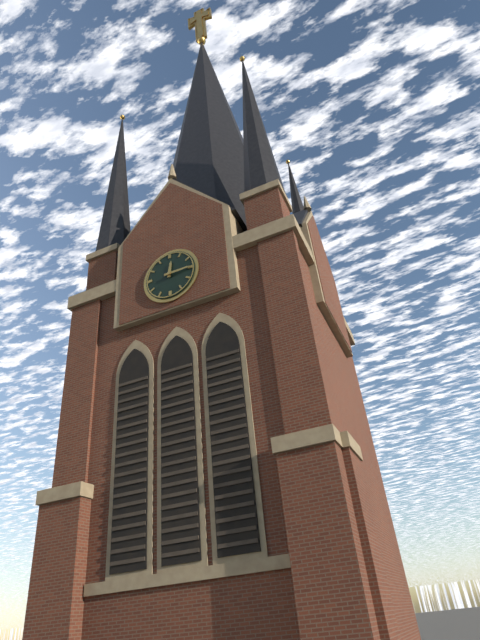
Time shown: 12:15
